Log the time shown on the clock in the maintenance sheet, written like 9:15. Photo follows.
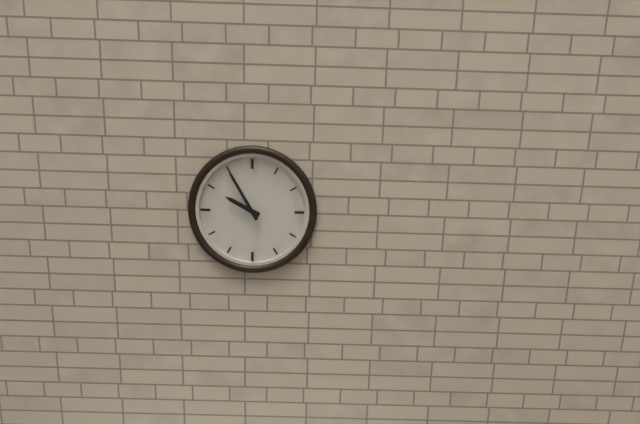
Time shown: 9:55
